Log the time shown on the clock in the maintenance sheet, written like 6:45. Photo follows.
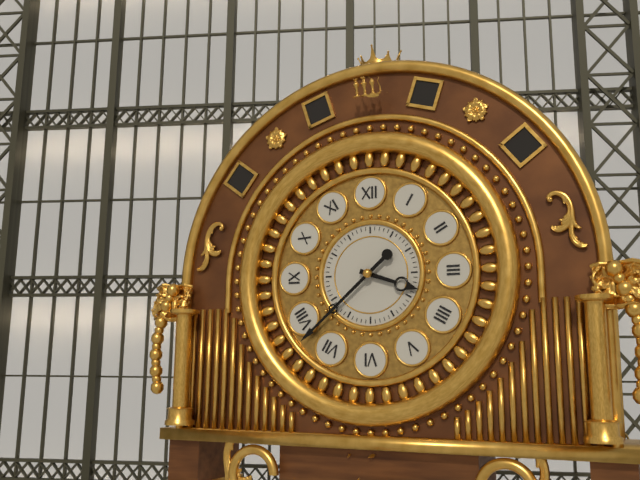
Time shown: 3:38
